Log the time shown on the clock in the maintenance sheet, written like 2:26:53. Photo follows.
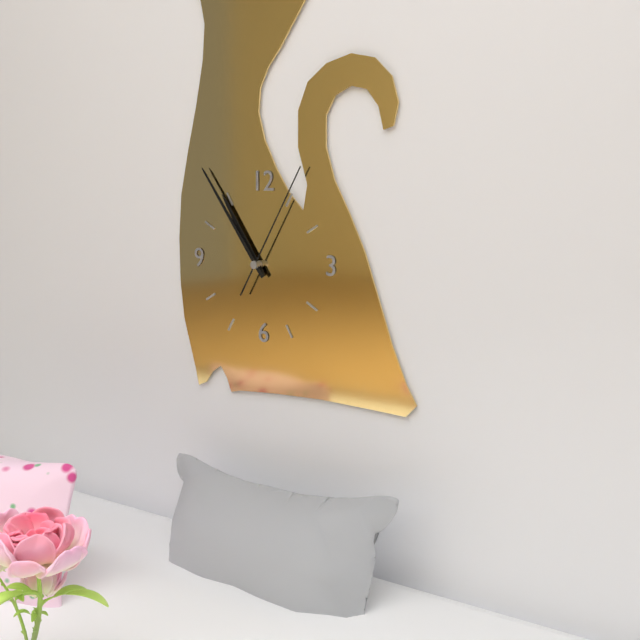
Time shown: 10:54:05
